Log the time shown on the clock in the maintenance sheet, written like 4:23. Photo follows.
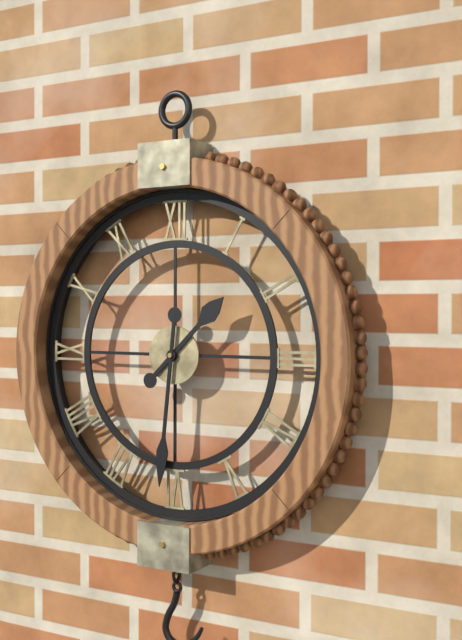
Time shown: 1:31
